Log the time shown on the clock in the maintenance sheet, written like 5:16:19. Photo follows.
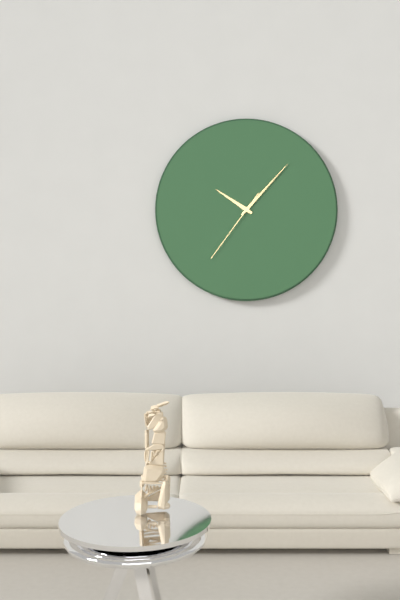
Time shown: 10:07:36
